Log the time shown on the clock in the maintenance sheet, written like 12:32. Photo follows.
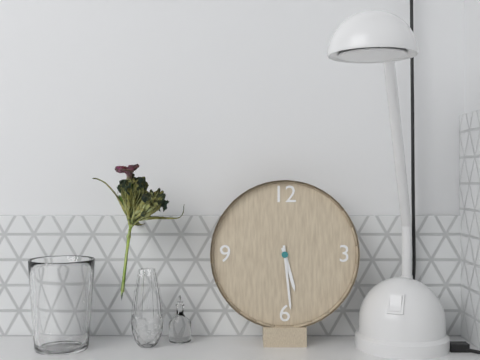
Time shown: 5:29
